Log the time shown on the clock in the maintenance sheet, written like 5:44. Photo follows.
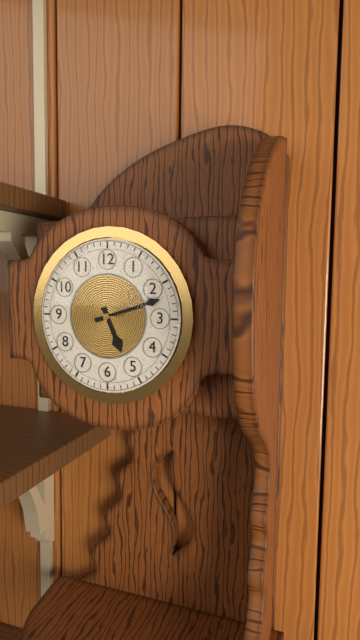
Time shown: 5:12
